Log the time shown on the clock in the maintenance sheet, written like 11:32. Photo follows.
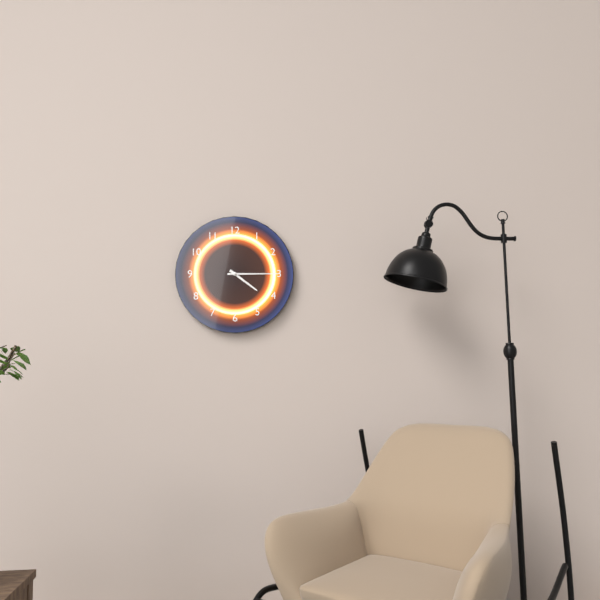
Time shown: 4:15
